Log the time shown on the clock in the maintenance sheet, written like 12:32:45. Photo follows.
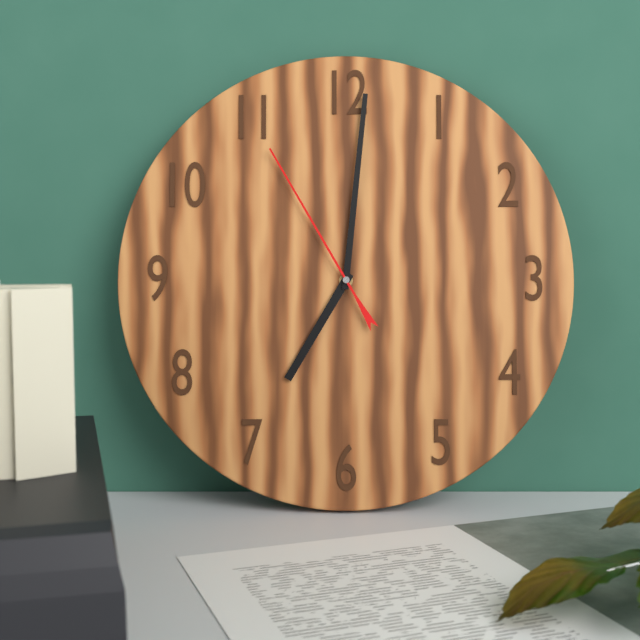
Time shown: 7:01:55
